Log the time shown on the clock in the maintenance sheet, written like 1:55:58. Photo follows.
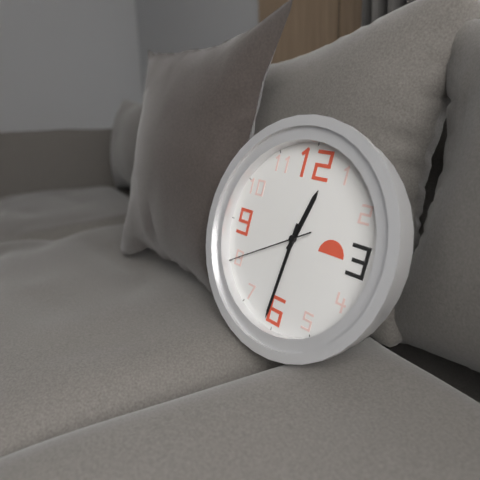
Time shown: 12:31:40
